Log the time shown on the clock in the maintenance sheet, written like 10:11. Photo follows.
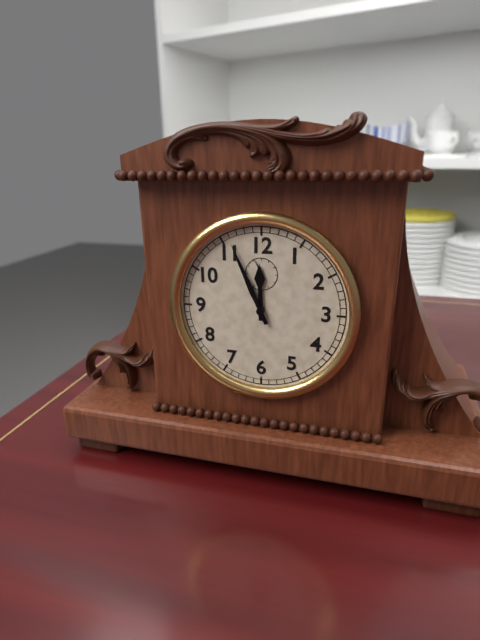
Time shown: 11:56
